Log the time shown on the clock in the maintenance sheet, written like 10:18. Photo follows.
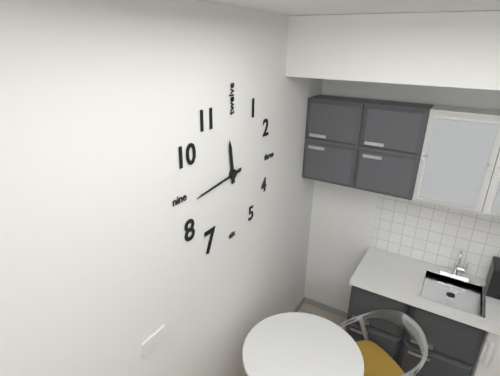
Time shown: 11:44
